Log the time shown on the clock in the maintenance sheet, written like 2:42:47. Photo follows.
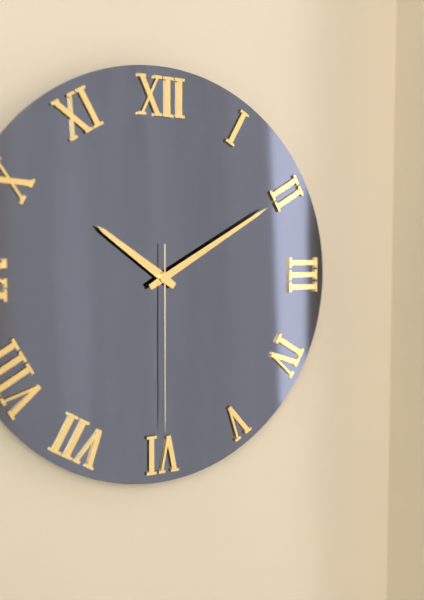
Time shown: 10:10:30
